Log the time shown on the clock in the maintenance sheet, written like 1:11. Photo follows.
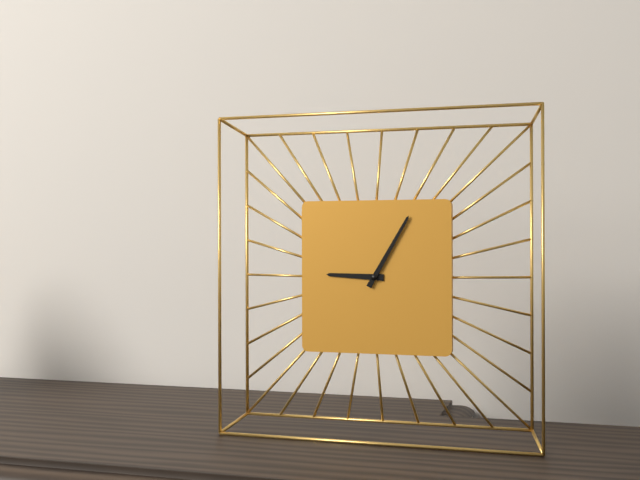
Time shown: 9:05
